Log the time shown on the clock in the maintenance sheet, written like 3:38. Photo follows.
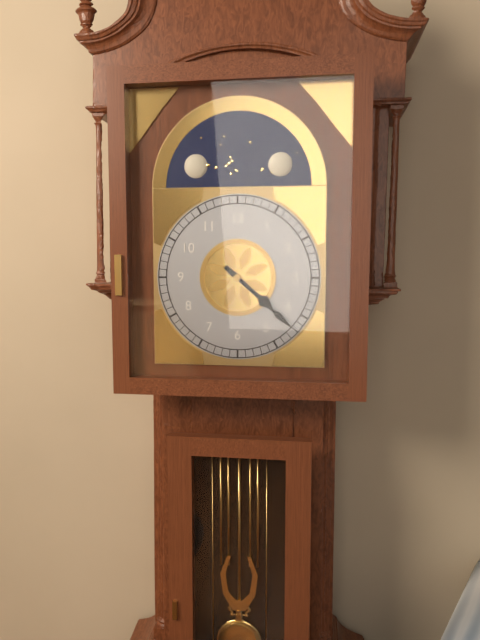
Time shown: 4:22
